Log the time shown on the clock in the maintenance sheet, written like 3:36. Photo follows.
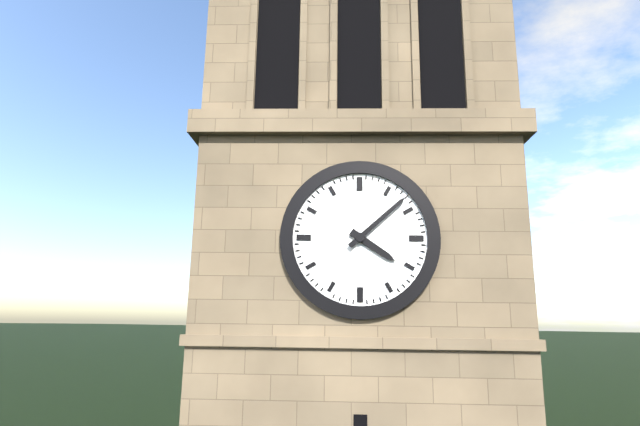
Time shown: 4:08
